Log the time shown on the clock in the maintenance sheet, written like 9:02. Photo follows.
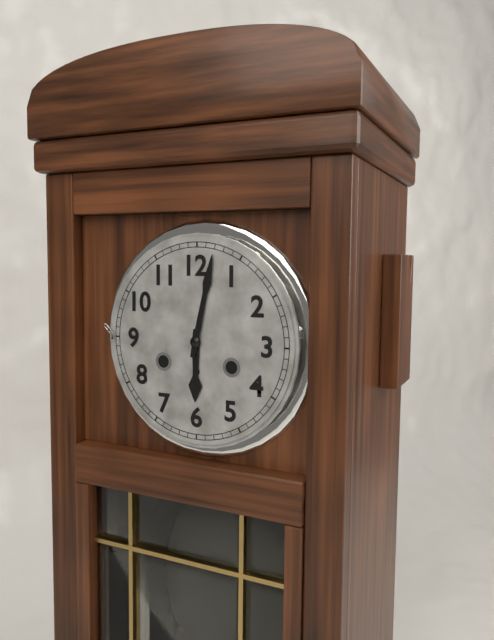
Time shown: 6:02
